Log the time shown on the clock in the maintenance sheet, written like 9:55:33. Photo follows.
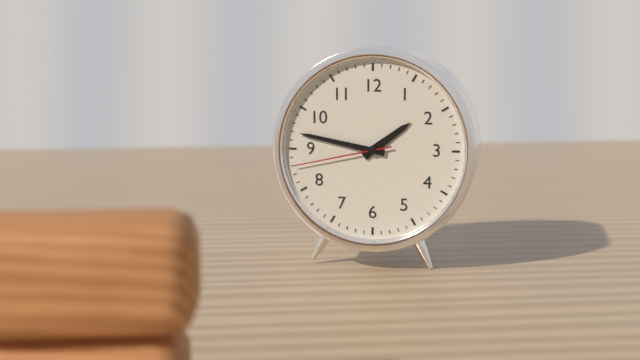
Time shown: 1:47:43
